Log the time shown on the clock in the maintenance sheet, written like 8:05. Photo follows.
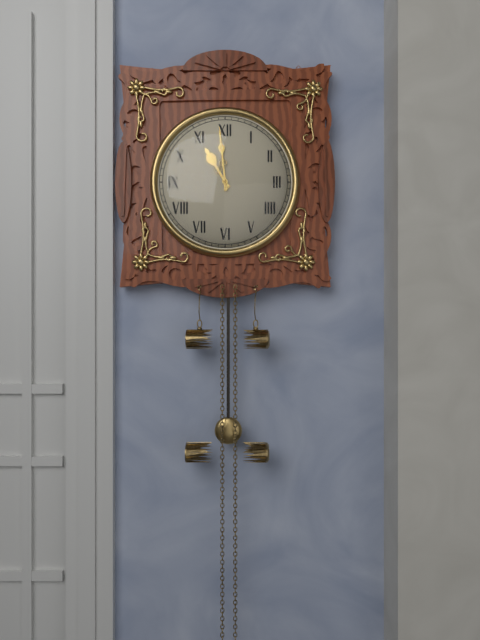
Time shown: 10:59
